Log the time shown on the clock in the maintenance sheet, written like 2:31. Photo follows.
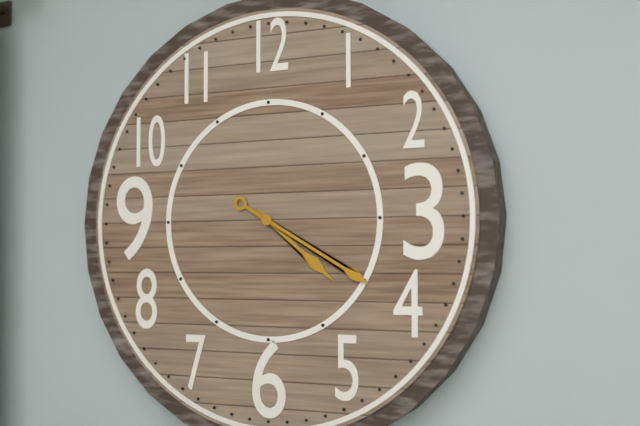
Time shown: 4:20
